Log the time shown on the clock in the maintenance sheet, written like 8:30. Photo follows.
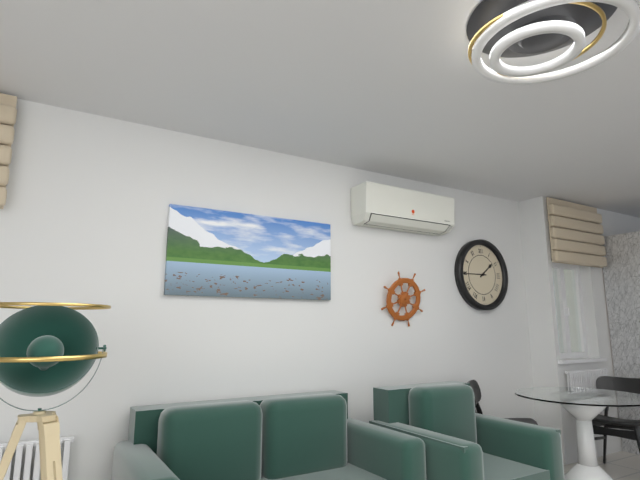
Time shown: 1:45
